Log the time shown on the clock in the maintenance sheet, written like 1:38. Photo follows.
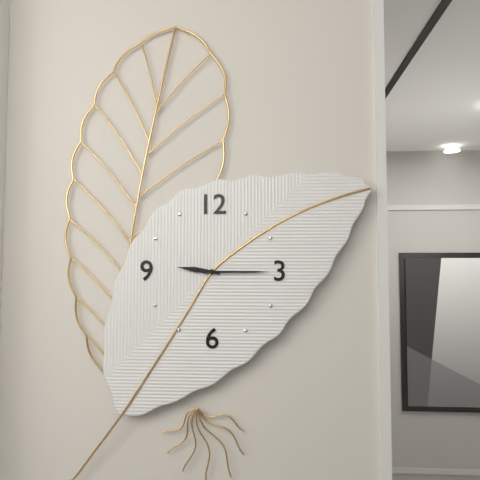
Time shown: 9:15
